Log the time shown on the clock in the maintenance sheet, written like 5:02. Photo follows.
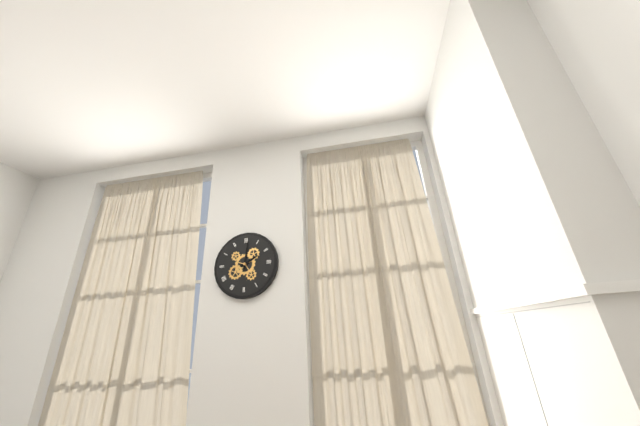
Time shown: 2:01
